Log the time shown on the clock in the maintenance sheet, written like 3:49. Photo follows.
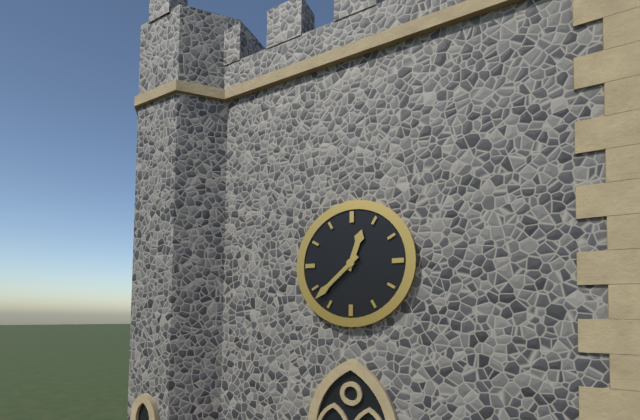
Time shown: 12:38
